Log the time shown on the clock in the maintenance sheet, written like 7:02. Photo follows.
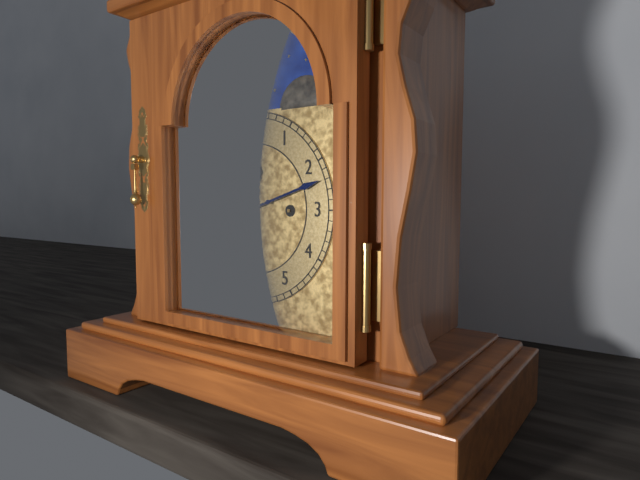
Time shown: 12:12
